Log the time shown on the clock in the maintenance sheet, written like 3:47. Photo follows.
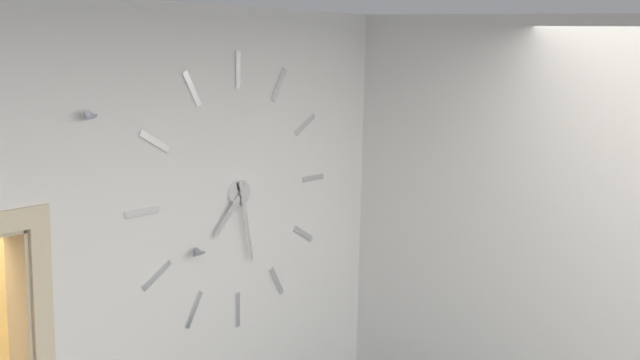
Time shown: 7:28
